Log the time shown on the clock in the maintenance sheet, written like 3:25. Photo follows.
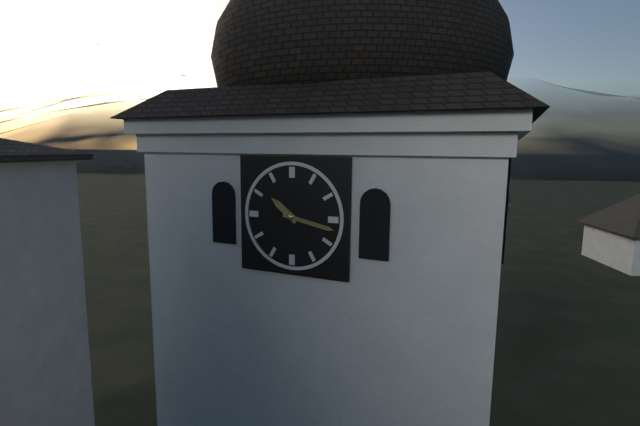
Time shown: 10:17
